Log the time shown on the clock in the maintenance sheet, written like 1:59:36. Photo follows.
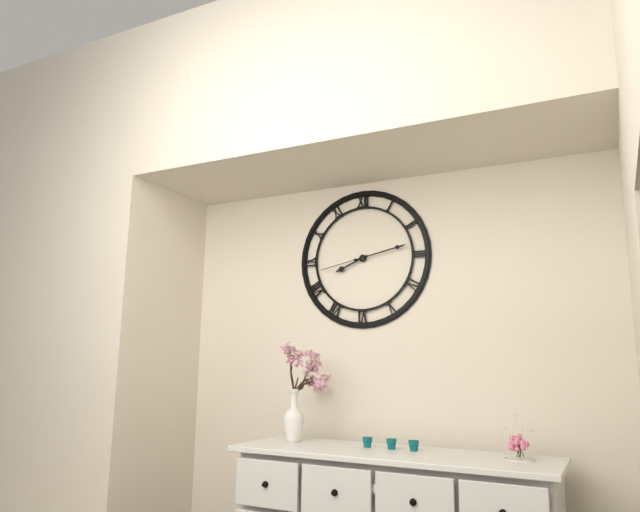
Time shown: 8:13:43
